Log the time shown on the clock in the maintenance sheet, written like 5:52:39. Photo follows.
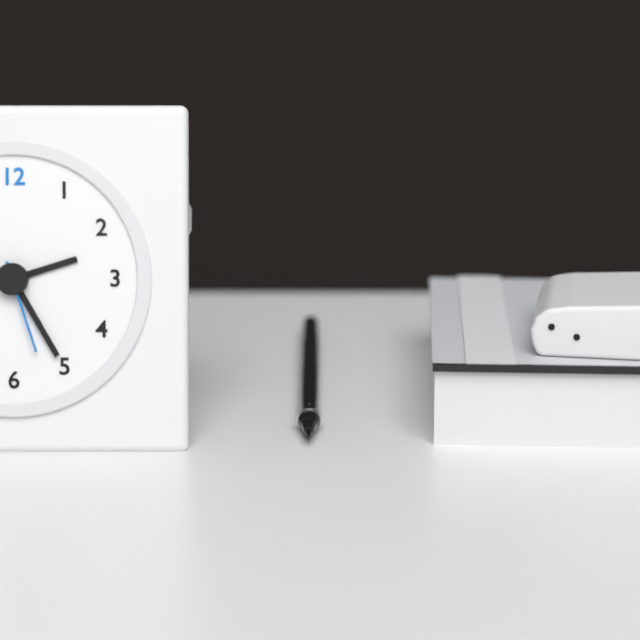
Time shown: 2:25:27
